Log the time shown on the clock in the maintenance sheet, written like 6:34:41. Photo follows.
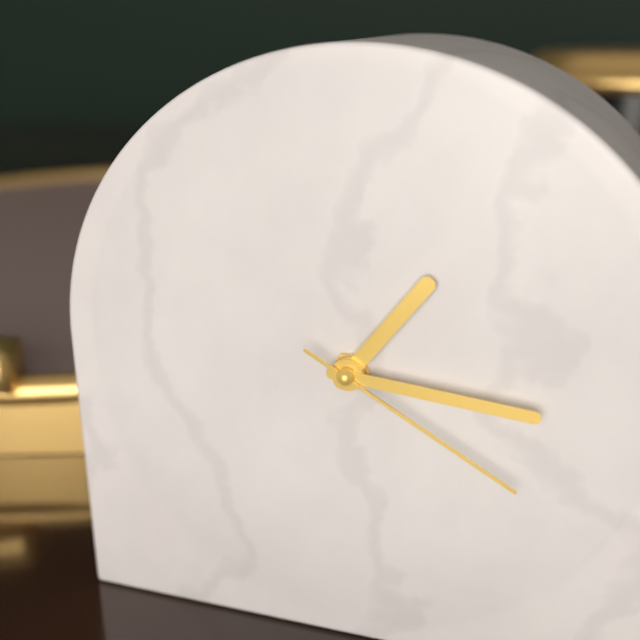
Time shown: 1:16:20
